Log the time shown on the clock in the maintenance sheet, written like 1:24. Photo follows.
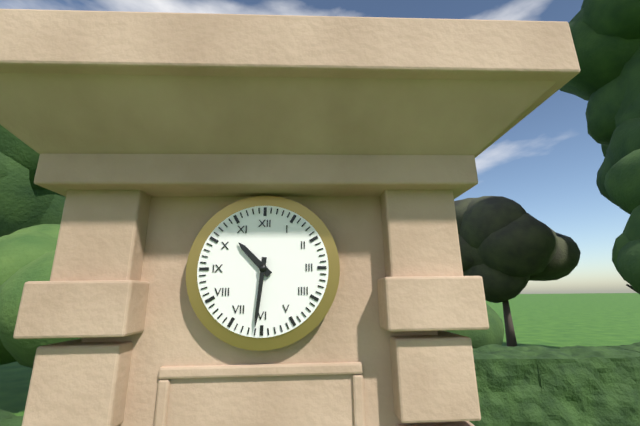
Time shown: 10:31
